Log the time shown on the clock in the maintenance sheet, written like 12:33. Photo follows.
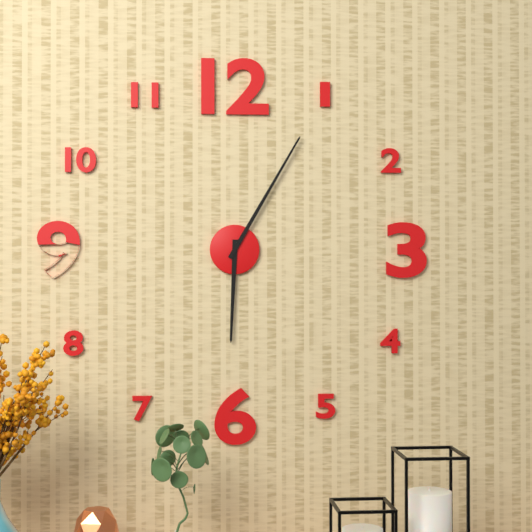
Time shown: 6:05
